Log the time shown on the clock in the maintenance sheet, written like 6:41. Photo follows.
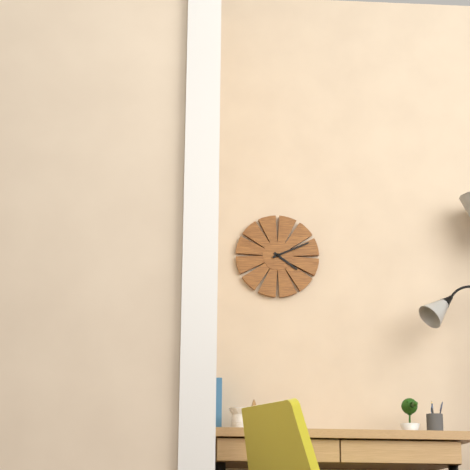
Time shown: 4:11
